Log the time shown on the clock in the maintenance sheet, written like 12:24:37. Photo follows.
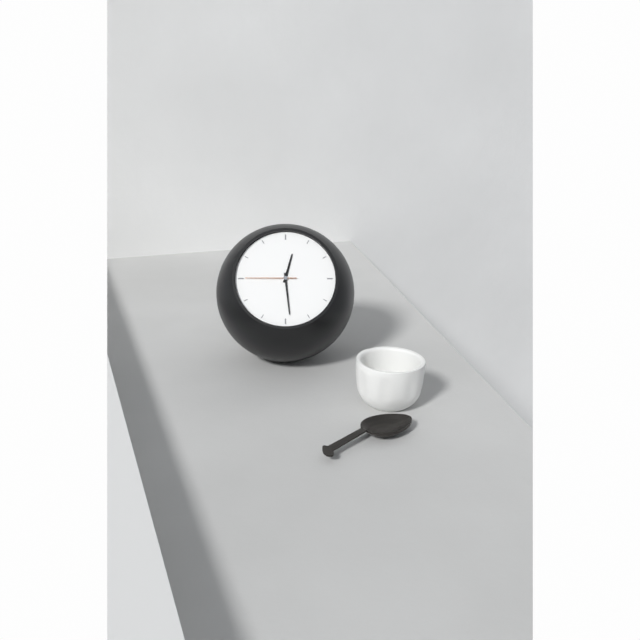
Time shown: 12:29:45
